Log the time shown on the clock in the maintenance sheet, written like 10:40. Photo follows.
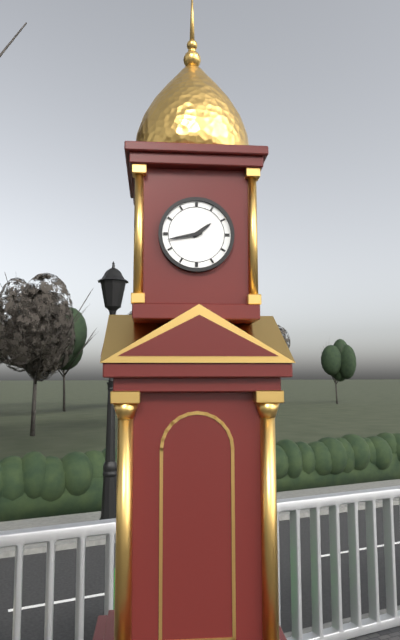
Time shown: 1:43
